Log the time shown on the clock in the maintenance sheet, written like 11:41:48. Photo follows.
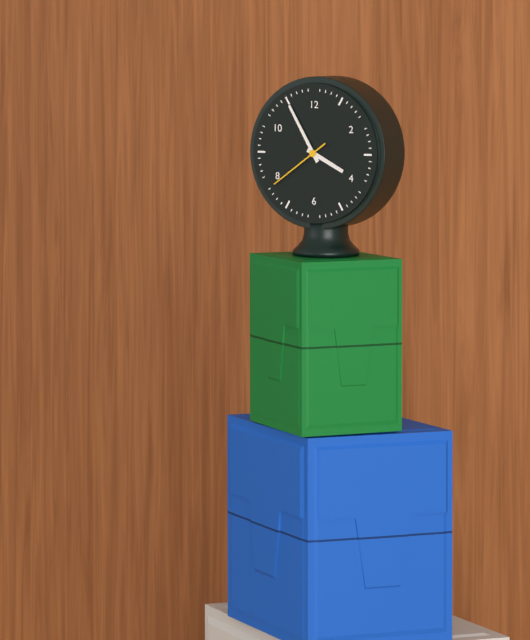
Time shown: 3:55:39
